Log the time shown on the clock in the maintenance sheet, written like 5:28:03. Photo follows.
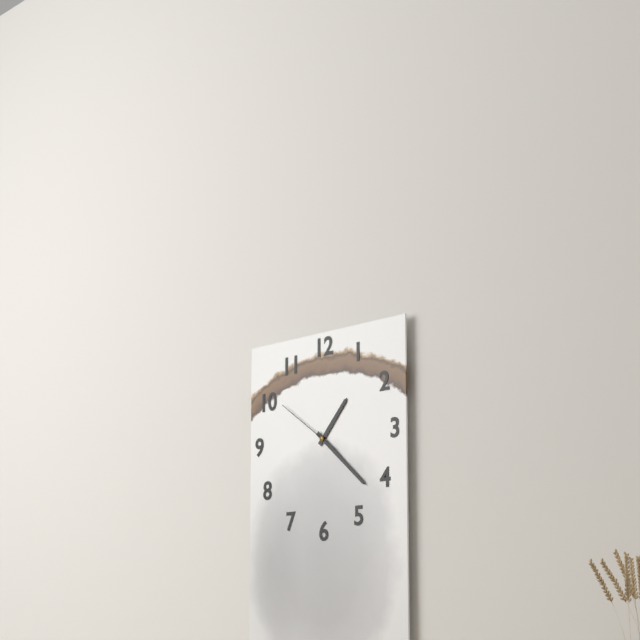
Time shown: 1:22:51
